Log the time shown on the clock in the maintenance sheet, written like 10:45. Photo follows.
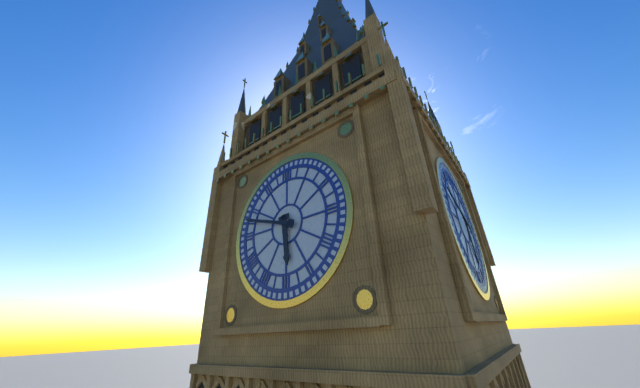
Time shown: 5:48
